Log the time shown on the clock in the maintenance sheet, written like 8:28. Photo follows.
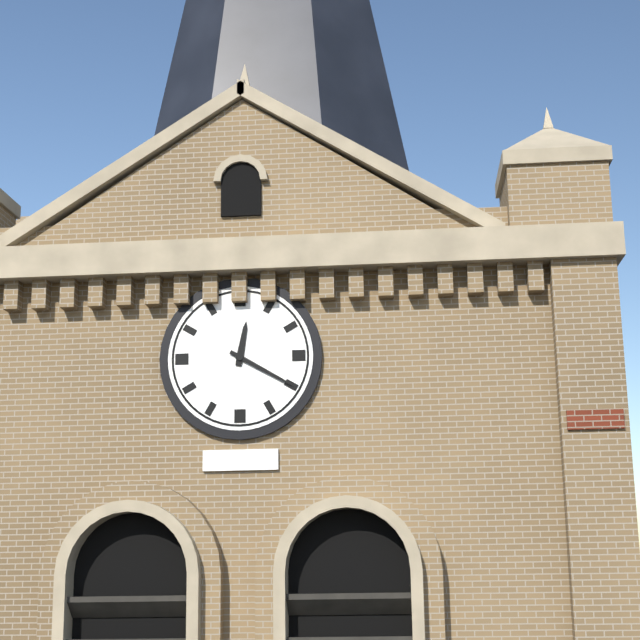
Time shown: 12:20
